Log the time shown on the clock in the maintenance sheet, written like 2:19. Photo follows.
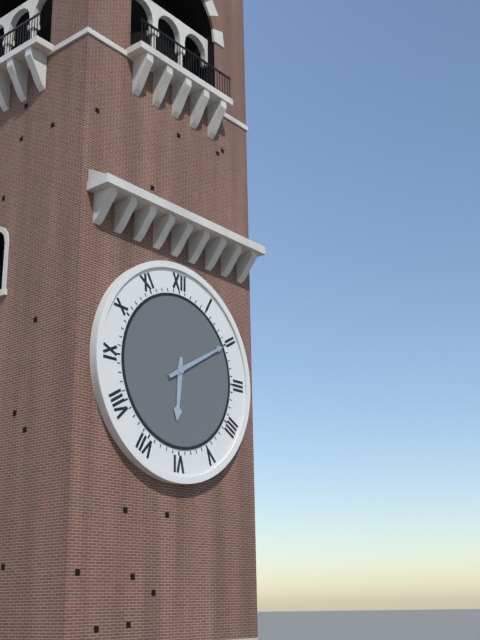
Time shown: 6:10
